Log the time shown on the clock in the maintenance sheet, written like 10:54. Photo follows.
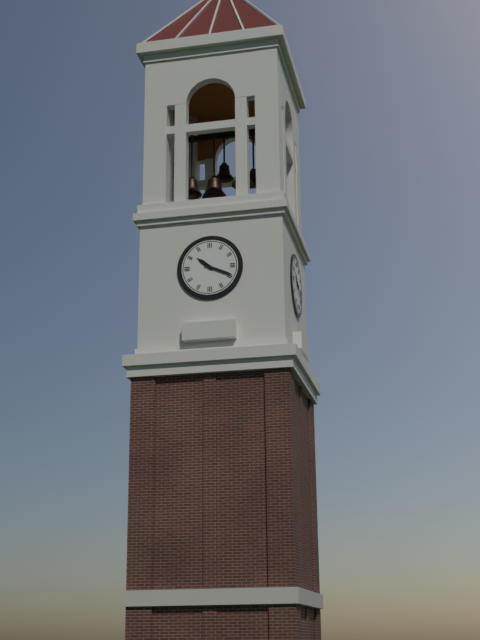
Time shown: 10:19
